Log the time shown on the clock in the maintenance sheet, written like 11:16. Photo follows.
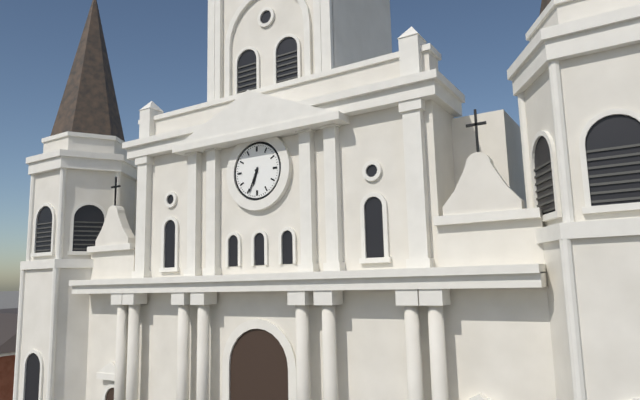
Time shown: 6:34
